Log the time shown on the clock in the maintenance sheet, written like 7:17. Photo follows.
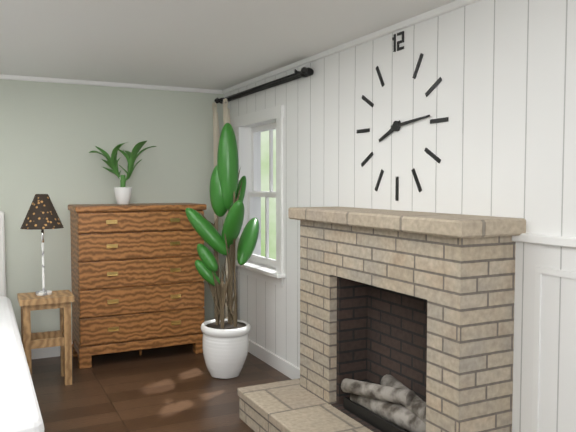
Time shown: 8:14
